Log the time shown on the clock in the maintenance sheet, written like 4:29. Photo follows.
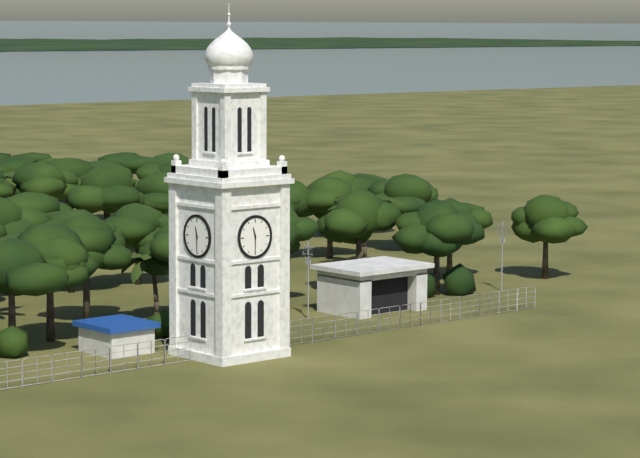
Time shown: 11:30
